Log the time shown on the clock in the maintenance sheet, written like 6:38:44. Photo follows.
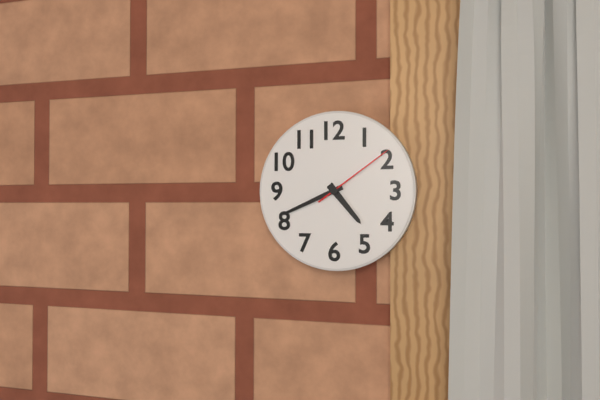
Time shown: 4:41:09
